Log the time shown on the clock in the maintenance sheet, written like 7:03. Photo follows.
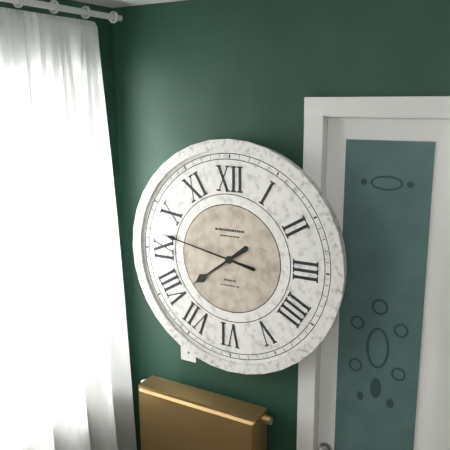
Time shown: 7:47
